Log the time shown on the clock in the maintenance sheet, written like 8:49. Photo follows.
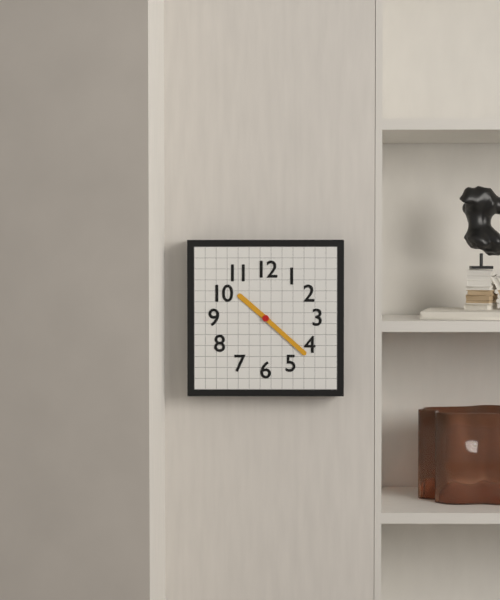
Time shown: 10:22
